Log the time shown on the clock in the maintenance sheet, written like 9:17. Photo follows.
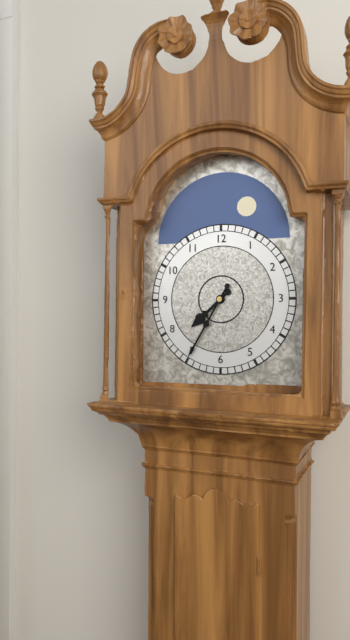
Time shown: 7:35
